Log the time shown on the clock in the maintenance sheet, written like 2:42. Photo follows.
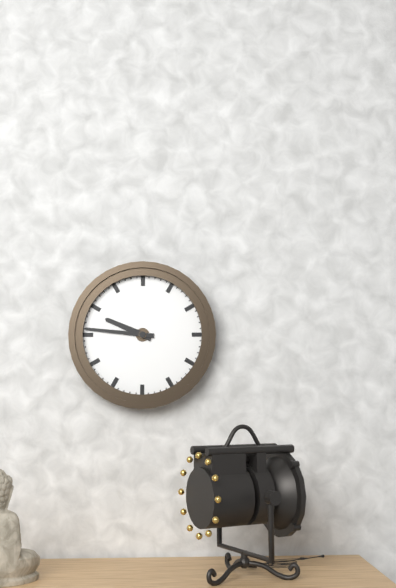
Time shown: 9:46
